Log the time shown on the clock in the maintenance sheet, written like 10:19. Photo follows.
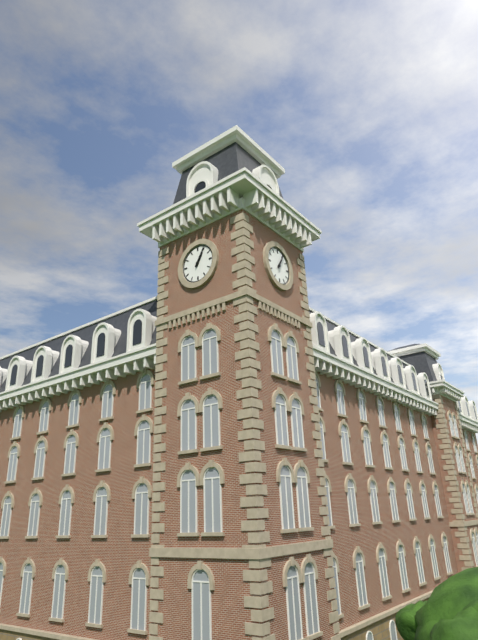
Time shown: 1:05
